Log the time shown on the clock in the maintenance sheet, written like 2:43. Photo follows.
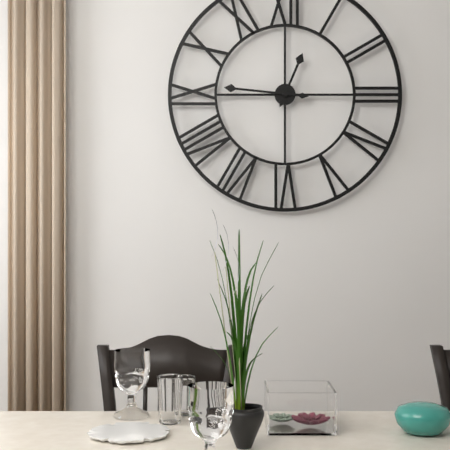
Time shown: 12:46
